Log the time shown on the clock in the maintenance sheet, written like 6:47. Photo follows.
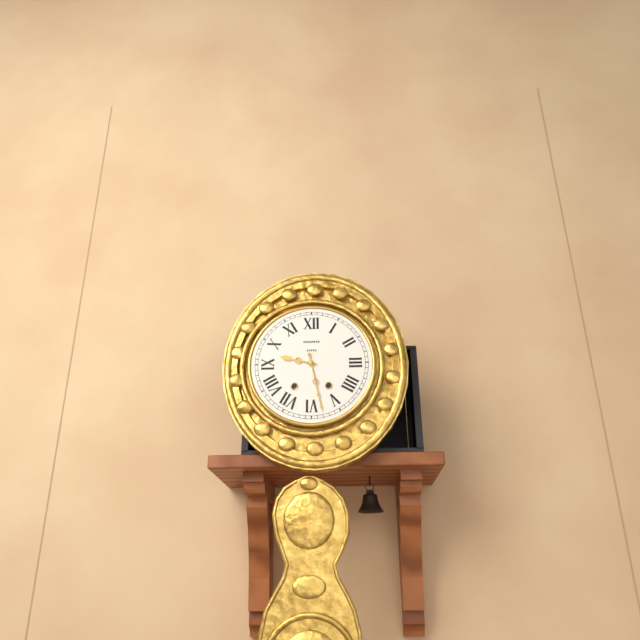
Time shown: 9:28
